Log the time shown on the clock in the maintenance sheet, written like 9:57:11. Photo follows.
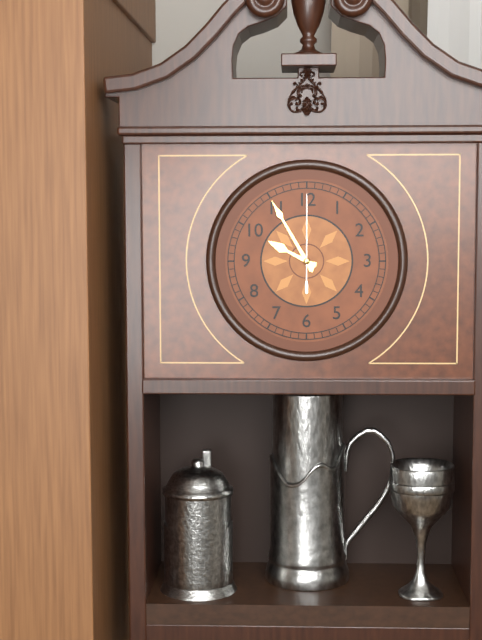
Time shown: 9:55:00
